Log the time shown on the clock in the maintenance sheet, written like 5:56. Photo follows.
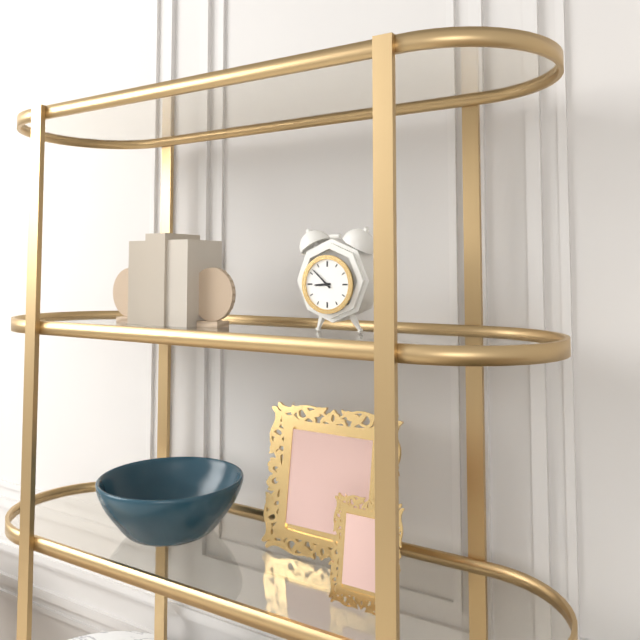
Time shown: 8:52
